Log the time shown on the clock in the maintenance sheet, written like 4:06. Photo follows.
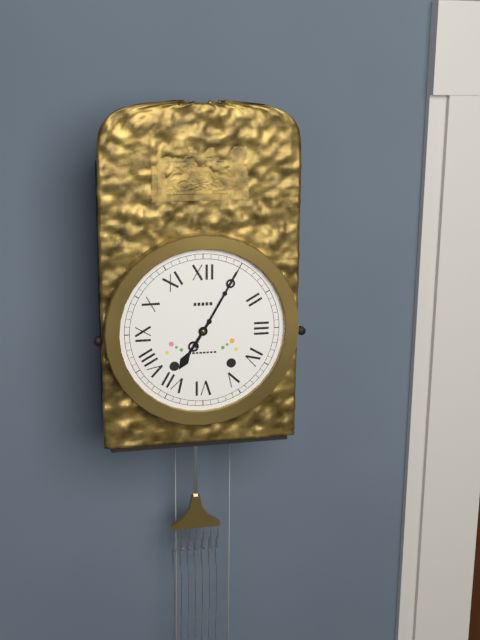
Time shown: 7:05
